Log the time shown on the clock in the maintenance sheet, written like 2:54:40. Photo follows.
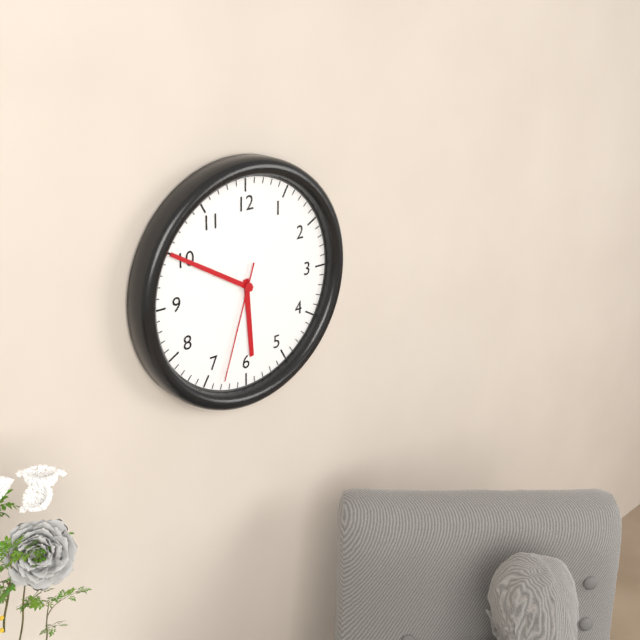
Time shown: 5:50:33
